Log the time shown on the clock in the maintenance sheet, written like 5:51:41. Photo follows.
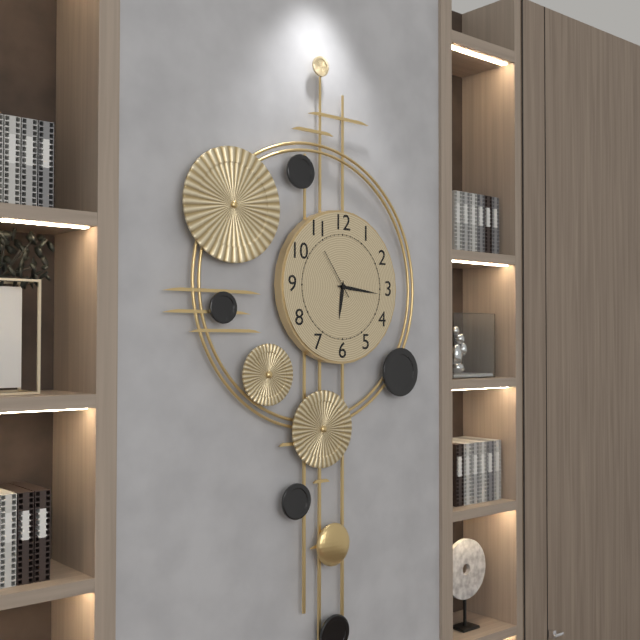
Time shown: 6:16:54
